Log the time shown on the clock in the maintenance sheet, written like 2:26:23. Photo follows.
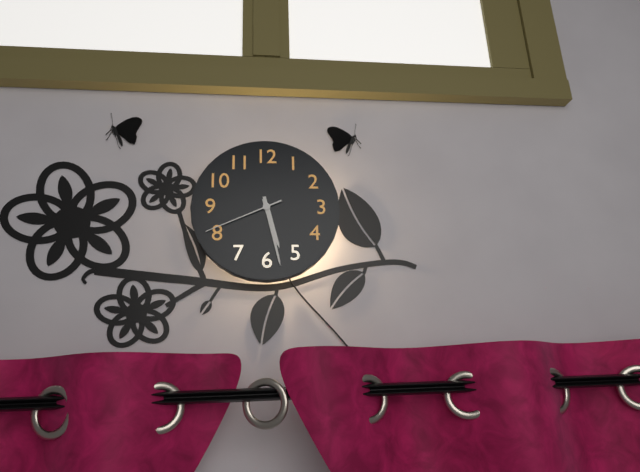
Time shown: 5:28:41
